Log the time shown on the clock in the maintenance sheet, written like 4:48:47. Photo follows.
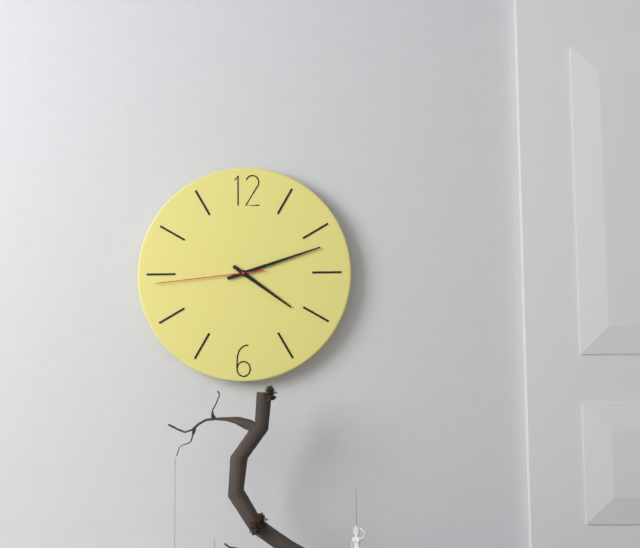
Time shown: 4:12:44
